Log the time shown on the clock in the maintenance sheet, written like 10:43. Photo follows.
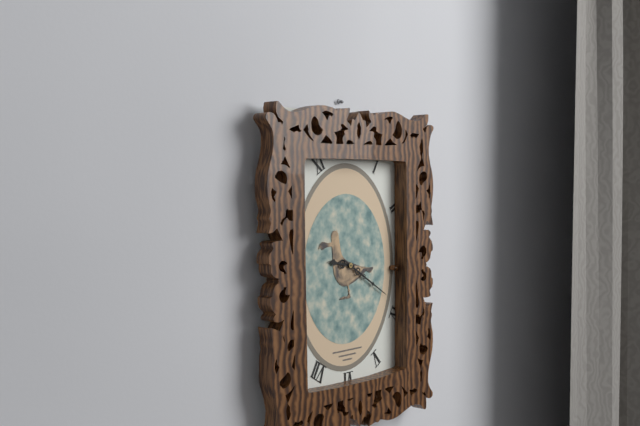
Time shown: 9:20
